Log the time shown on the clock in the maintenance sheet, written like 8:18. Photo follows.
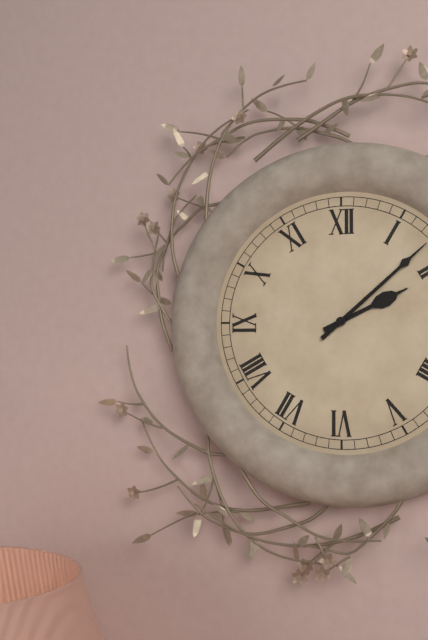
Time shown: 2:08
